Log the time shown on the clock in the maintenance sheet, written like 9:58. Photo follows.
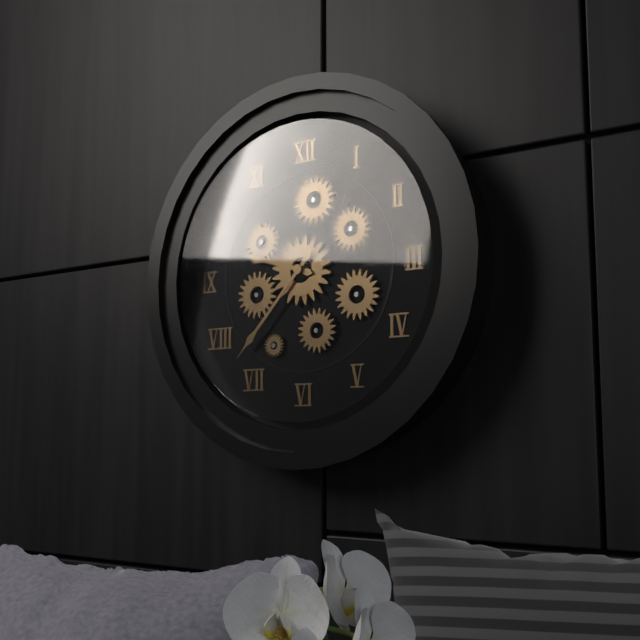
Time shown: 9:37
